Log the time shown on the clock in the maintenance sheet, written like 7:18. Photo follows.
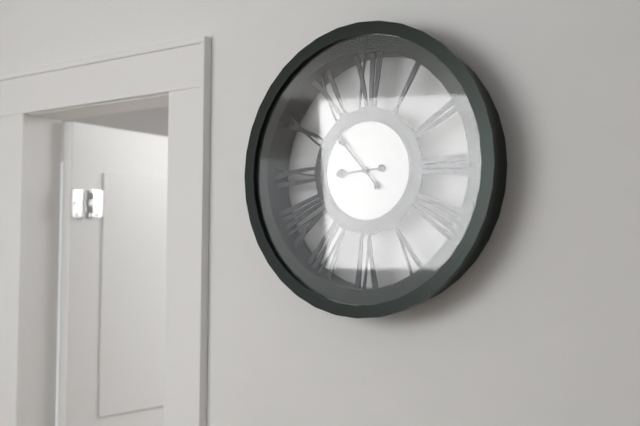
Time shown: 8:53
